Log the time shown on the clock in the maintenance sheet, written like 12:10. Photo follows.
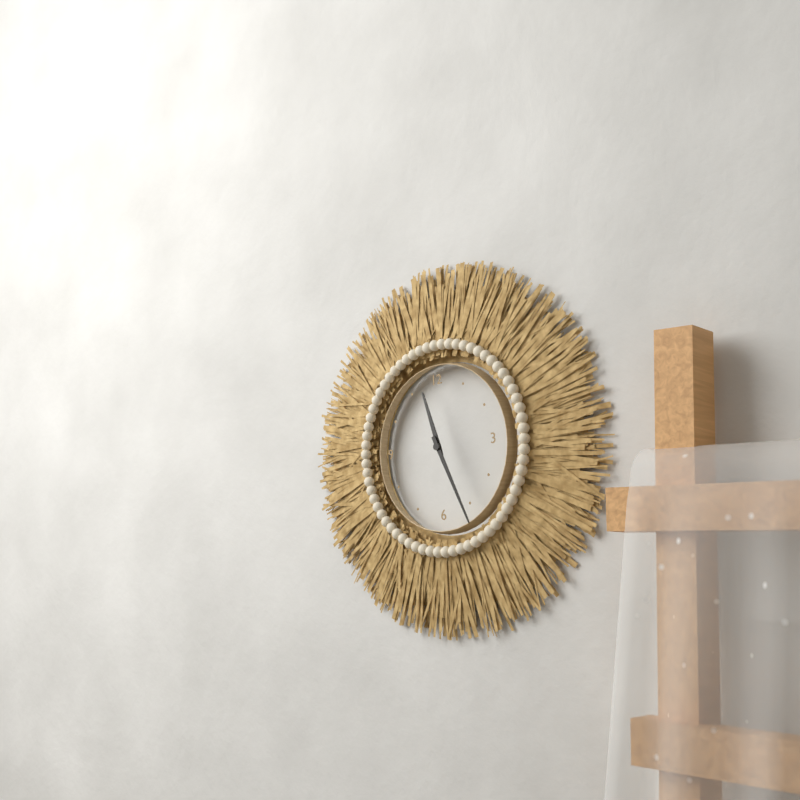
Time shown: 11:26
